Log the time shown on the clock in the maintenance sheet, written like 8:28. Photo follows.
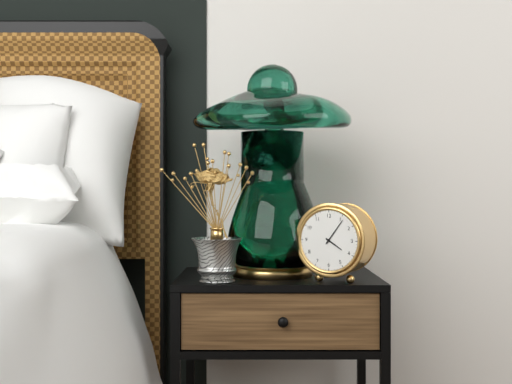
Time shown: 4:06
